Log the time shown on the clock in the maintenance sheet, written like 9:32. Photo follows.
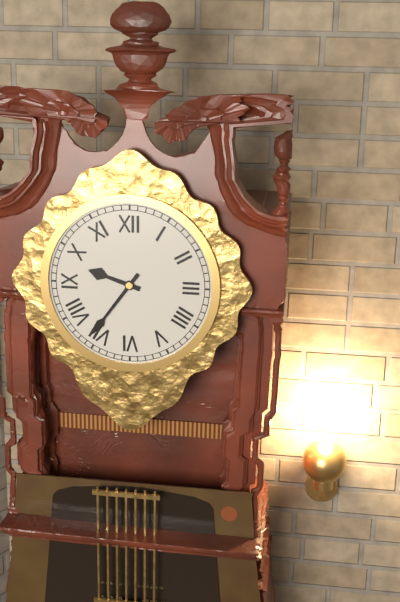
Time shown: 9:36
